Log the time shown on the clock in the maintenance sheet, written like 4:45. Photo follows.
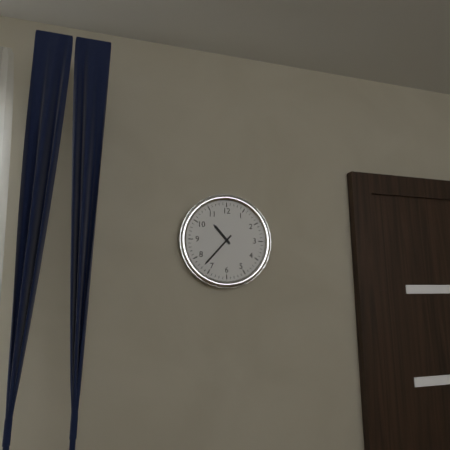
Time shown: 10:37
